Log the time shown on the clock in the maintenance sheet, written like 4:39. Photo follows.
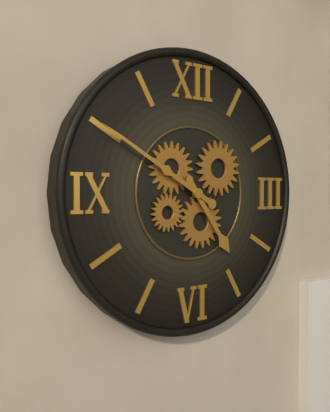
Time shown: 4:50
